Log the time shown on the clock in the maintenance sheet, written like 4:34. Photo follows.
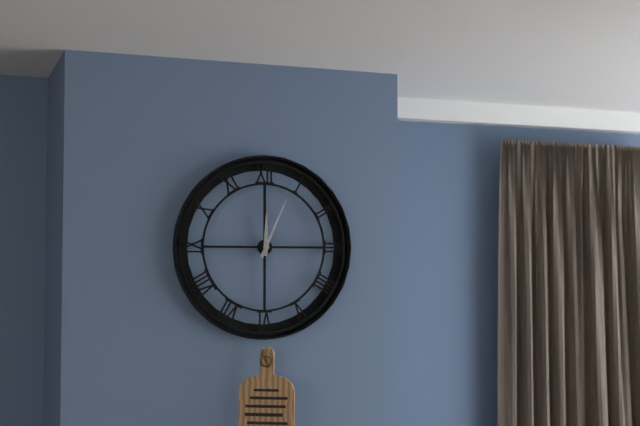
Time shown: 12:04
